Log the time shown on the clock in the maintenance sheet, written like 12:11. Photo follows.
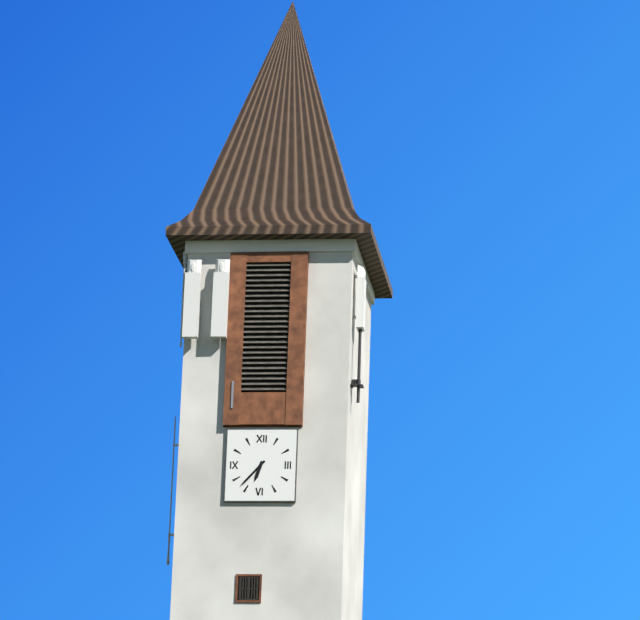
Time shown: 6:37
